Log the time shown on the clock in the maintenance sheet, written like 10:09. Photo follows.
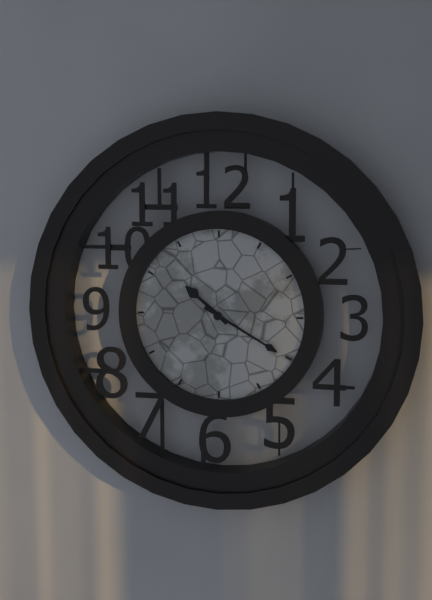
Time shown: 10:20
